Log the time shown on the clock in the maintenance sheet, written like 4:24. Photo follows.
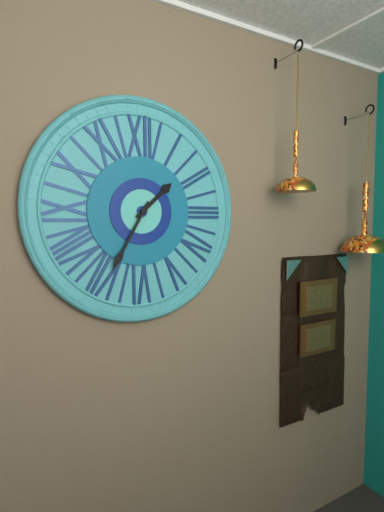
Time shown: 1:35
